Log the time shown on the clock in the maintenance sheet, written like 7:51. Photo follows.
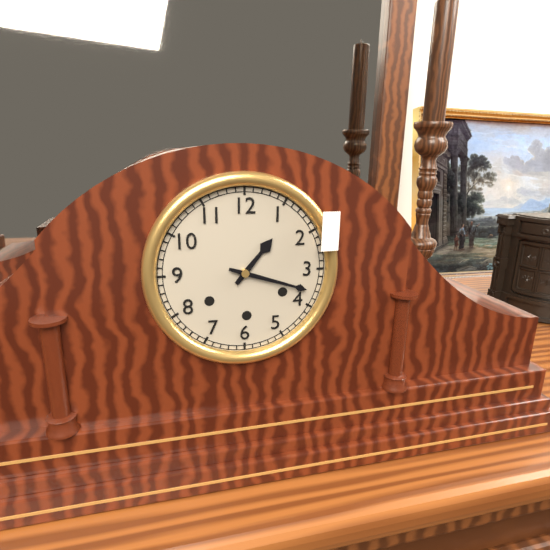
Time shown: 1:18
